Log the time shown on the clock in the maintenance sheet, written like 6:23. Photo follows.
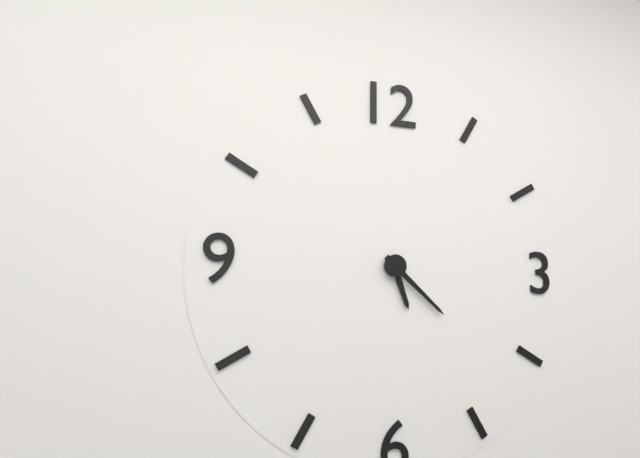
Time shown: 5:22
